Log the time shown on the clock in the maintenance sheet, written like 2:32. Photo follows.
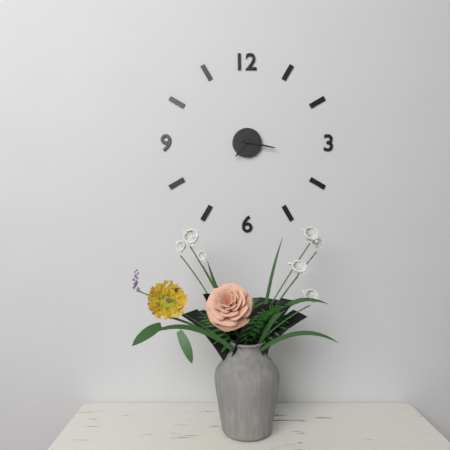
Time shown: 7:17
